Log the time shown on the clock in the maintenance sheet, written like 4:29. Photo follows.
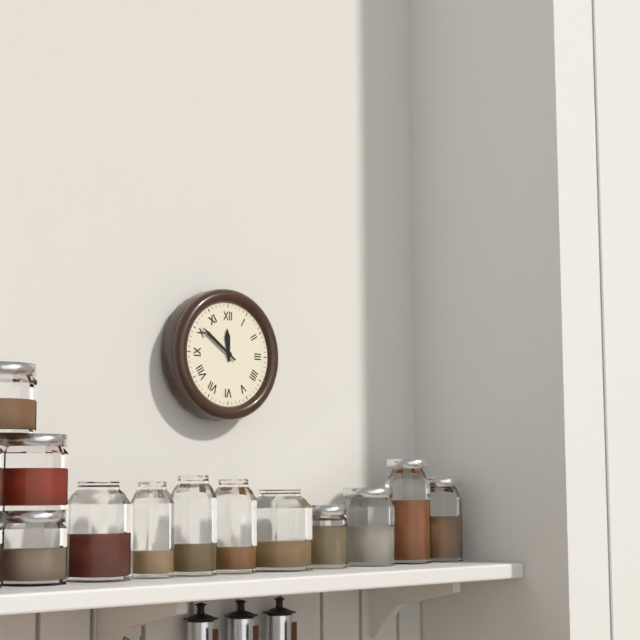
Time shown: 11:51
